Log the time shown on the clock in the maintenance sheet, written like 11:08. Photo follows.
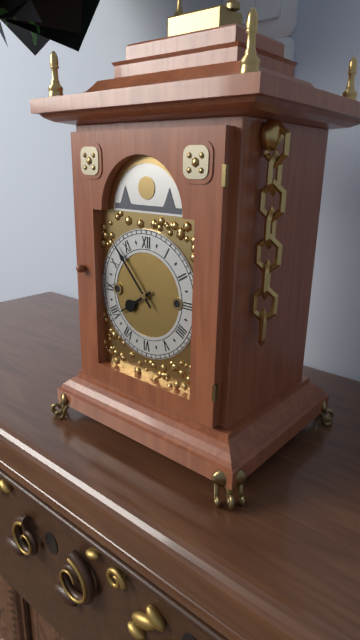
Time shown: 7:53
